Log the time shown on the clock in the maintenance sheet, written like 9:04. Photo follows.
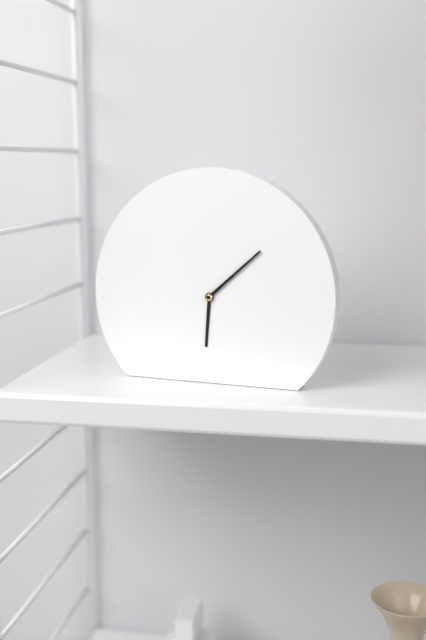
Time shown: 6:08
